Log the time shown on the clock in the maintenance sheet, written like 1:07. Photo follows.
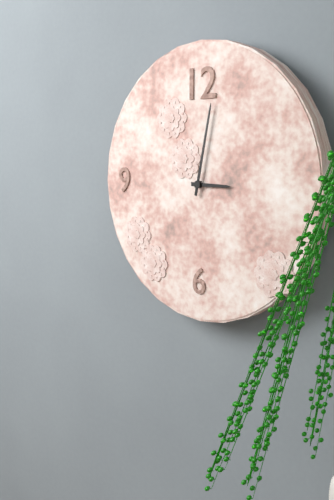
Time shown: 3:02
